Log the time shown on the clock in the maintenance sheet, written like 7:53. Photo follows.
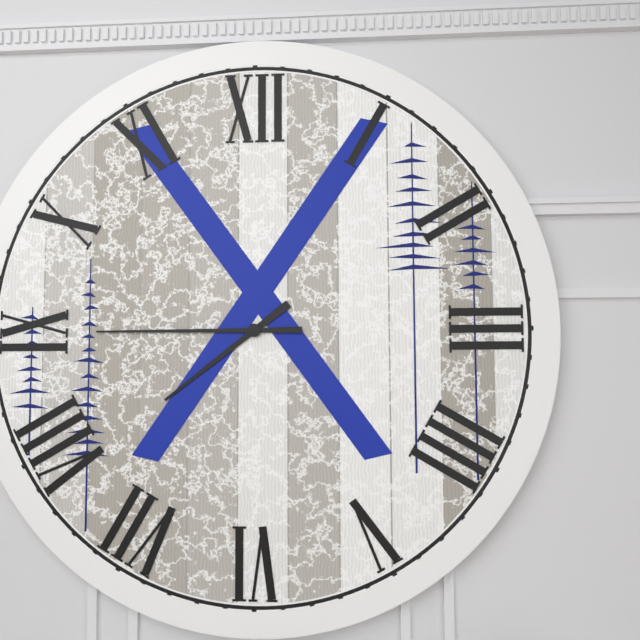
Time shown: 7:45
